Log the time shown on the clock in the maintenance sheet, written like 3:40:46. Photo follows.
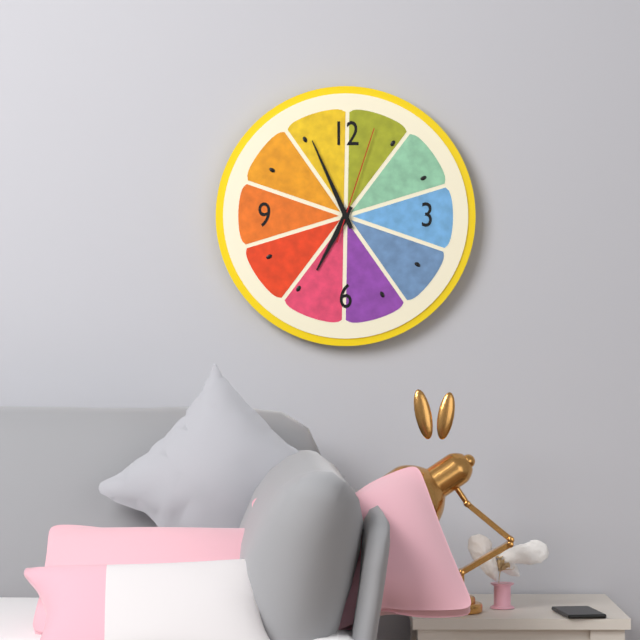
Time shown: 6:56:03
